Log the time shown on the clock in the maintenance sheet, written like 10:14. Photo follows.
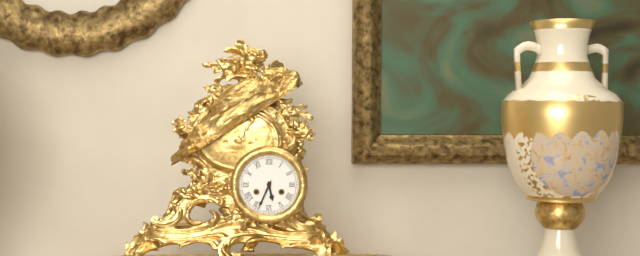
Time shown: 5:34
